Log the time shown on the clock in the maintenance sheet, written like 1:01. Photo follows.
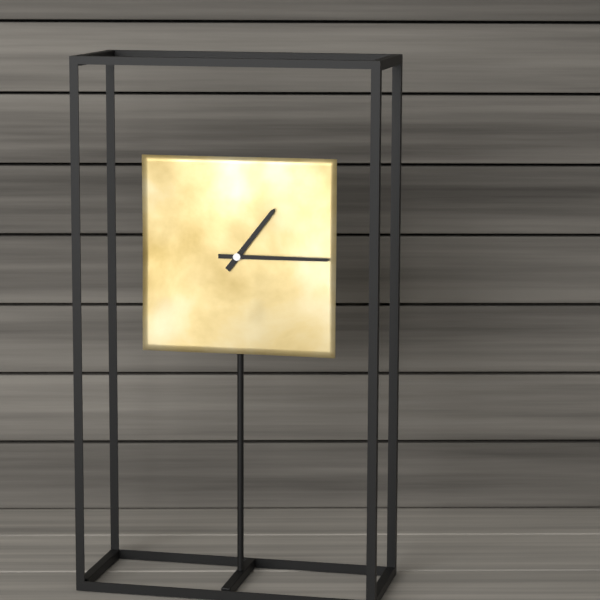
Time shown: 1:15
